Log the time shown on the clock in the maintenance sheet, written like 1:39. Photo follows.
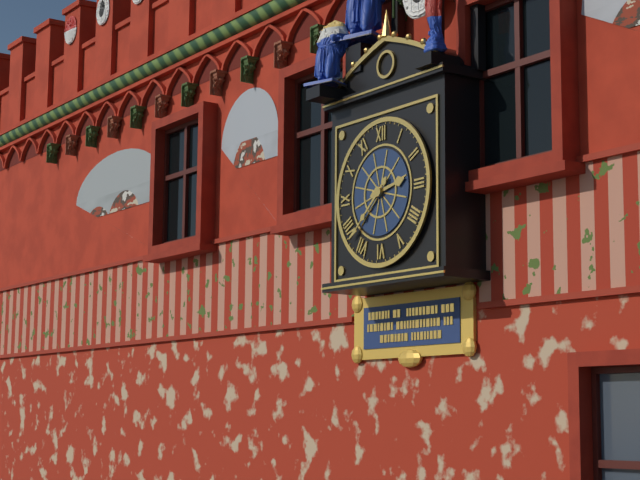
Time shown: 2:38
